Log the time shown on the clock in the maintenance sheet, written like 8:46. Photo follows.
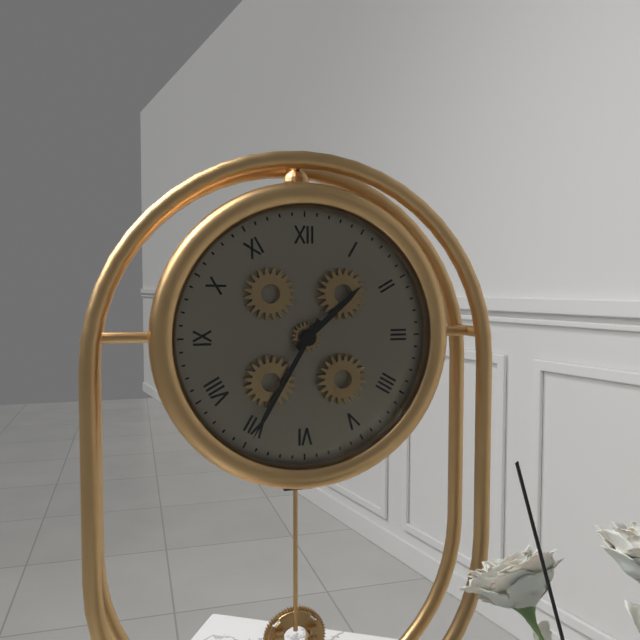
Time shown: 1:35
